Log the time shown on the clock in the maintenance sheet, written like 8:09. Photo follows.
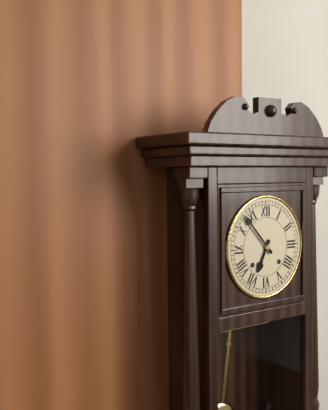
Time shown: 6:53
